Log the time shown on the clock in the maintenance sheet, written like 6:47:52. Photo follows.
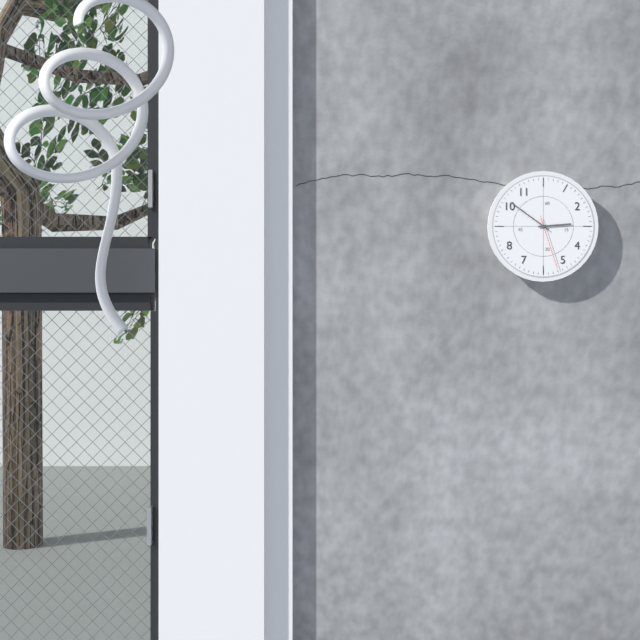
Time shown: 2:51:27
